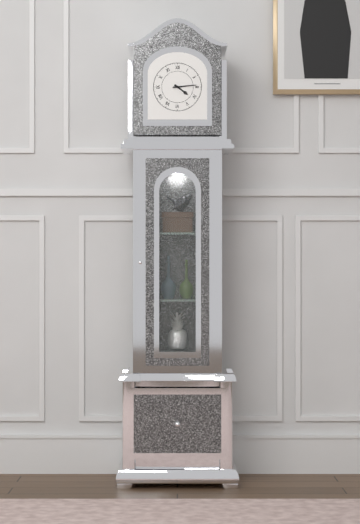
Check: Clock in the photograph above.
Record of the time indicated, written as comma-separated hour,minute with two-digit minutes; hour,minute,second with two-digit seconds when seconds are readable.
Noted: 4,14
